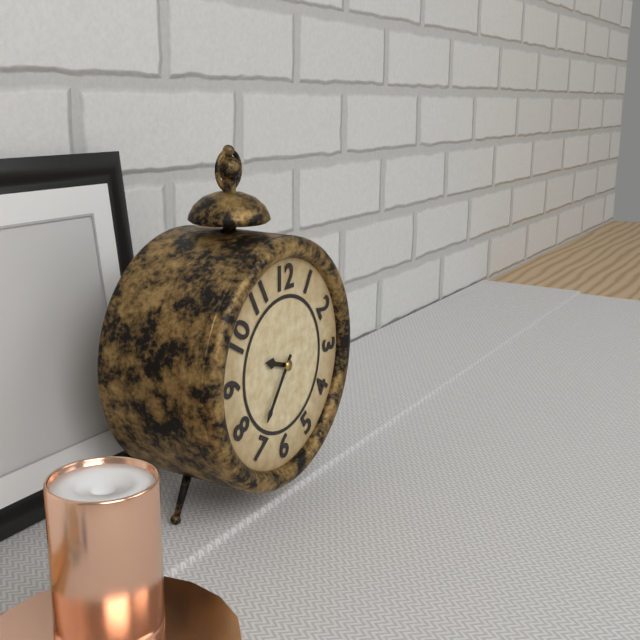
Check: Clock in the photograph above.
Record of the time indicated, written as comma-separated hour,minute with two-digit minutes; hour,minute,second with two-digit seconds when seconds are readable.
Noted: 9,36
